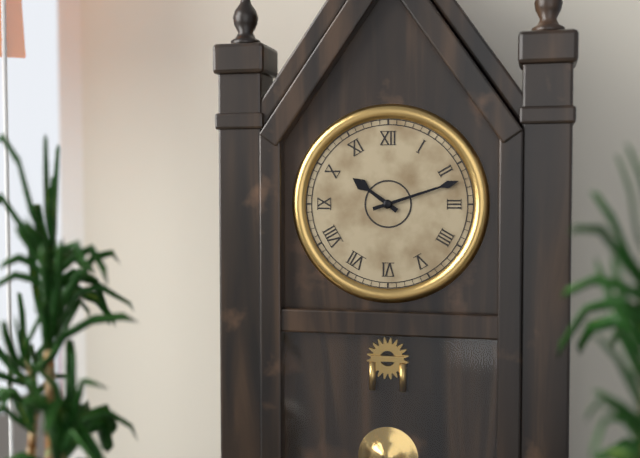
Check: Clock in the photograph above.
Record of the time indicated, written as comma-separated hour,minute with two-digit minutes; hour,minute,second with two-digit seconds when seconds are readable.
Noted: 10,12
